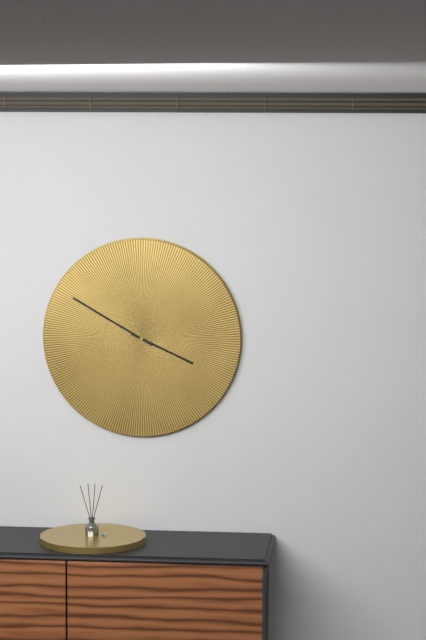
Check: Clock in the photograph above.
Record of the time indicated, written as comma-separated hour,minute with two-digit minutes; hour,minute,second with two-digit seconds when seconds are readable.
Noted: 3,50
